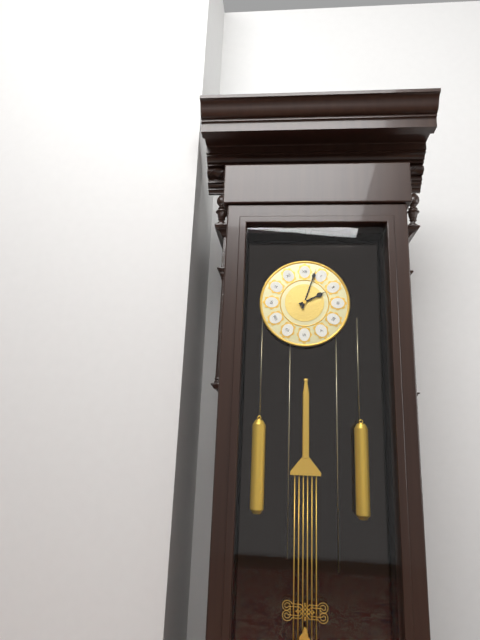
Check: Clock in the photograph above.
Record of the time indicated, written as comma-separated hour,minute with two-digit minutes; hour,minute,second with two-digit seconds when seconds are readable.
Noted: 2,03
